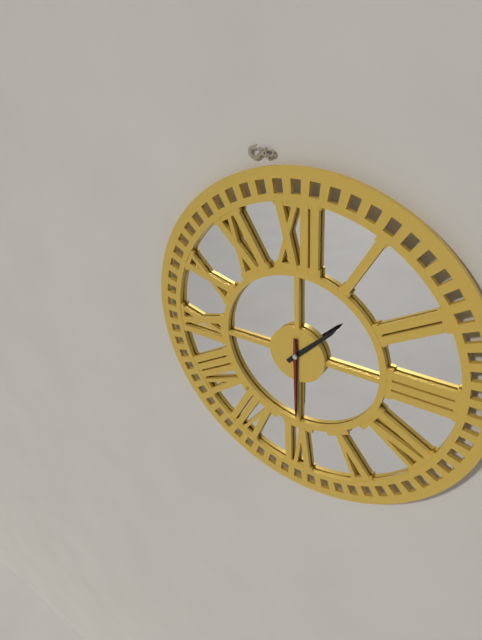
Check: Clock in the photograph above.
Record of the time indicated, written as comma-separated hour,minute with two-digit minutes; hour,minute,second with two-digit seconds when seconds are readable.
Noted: 1,30,30
